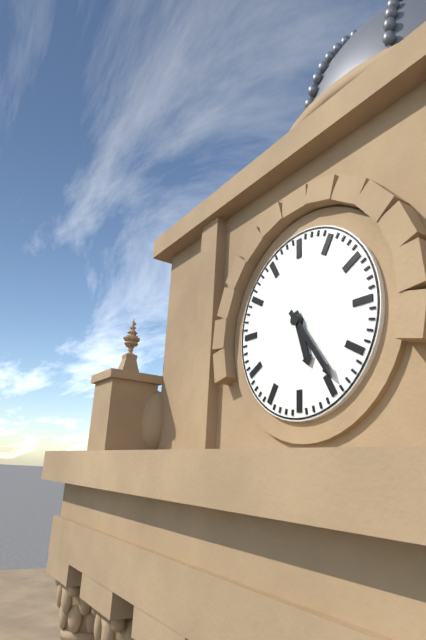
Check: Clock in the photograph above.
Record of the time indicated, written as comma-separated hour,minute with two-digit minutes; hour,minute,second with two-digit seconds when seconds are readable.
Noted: 5,24
